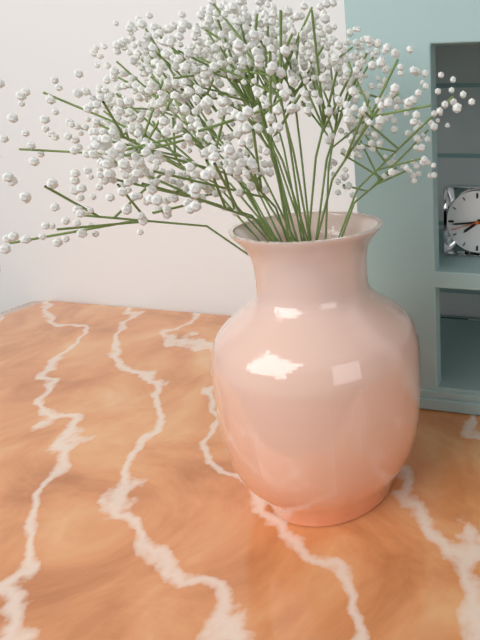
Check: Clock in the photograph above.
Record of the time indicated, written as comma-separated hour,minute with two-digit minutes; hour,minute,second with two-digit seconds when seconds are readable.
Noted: 7,44
